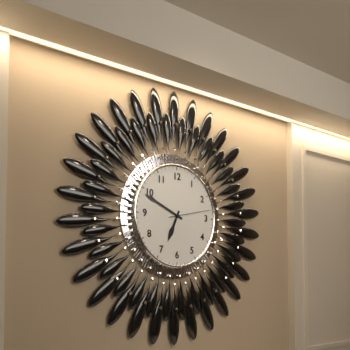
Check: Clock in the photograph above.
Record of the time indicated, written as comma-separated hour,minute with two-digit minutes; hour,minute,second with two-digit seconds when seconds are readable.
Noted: 6,49
